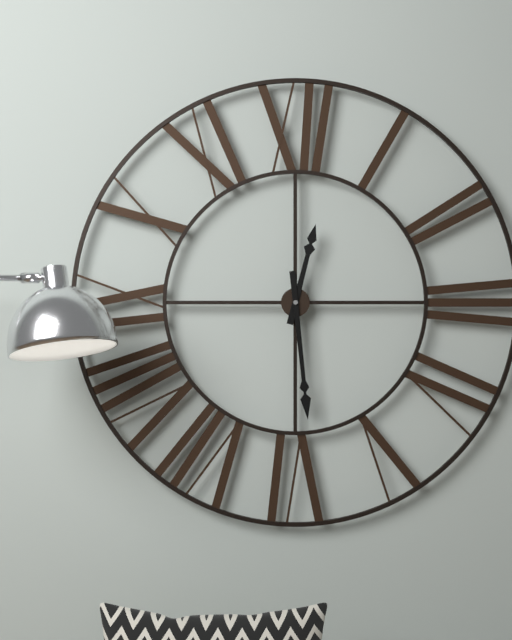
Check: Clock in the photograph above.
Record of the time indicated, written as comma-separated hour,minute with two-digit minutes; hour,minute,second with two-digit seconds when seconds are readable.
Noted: 12,29
